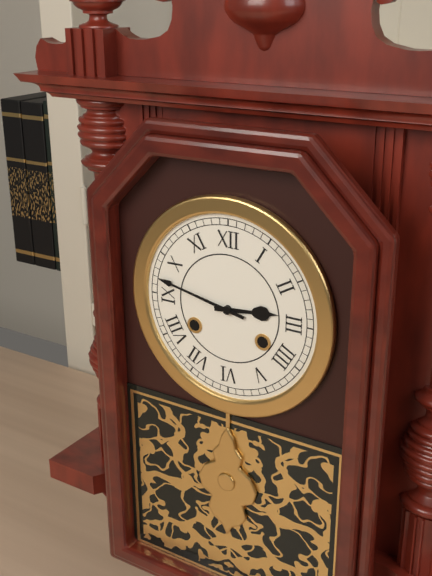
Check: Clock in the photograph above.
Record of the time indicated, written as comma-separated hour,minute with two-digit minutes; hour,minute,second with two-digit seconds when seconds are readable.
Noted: 2,47
